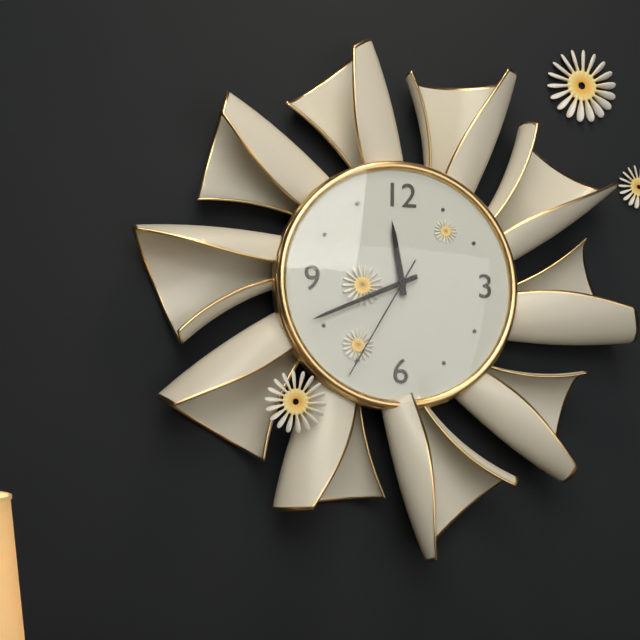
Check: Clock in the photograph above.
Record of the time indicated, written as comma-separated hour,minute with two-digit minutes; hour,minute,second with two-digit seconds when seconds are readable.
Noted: 11,41,35
